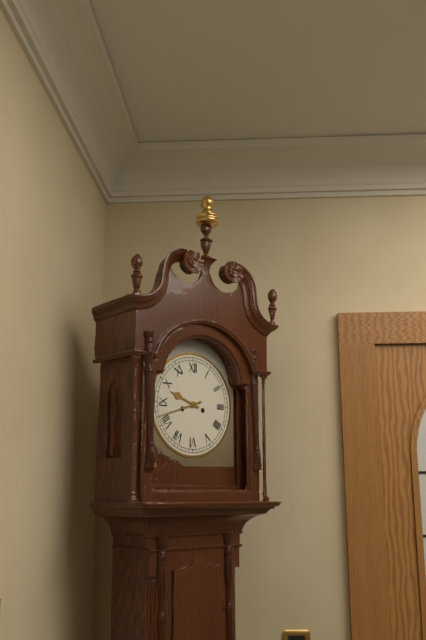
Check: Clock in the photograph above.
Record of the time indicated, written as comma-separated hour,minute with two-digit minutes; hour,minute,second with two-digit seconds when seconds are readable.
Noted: 9,42
